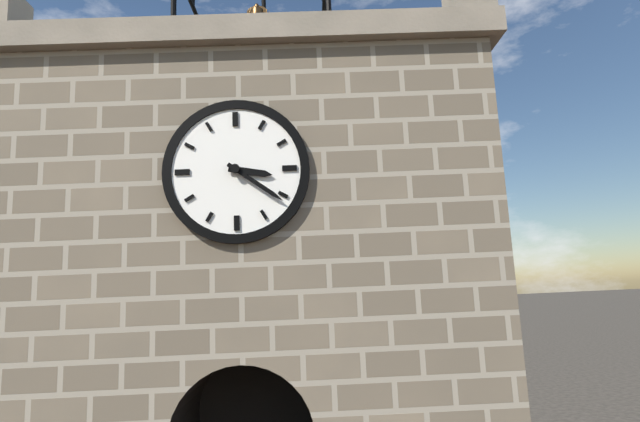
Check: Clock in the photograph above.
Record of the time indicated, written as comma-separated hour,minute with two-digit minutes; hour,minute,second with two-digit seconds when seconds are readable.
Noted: 3,21
